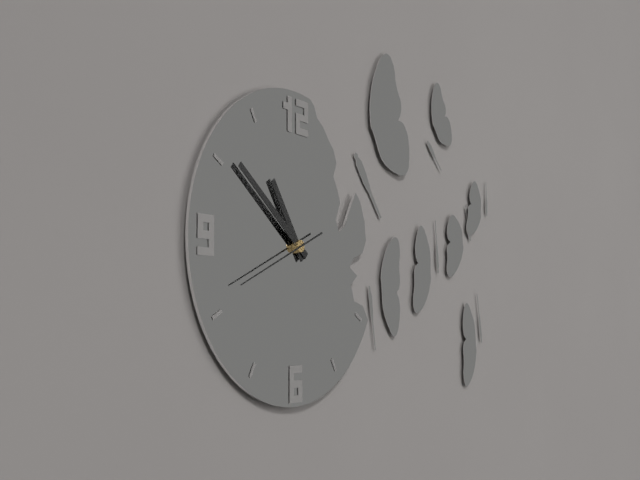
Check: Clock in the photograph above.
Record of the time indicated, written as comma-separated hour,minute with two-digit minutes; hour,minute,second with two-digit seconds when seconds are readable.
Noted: 10,51,41
